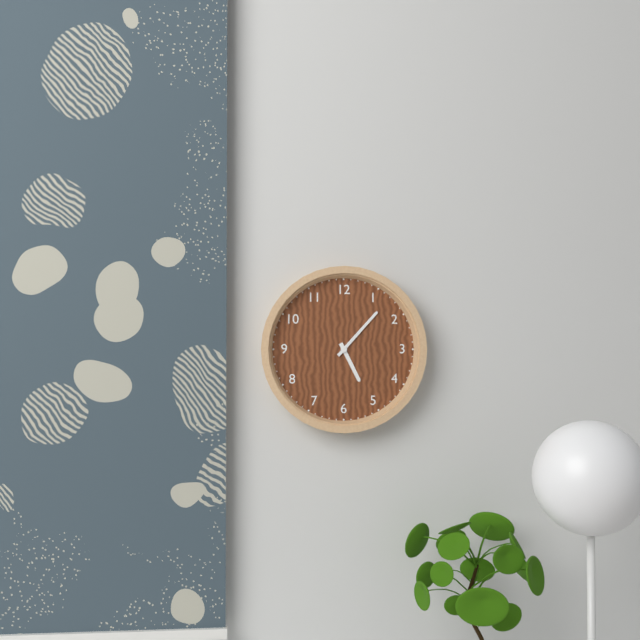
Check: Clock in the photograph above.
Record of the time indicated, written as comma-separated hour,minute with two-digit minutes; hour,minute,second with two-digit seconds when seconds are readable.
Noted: 5,07
